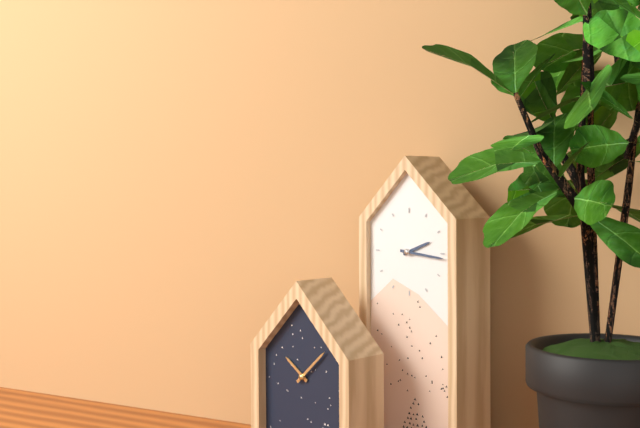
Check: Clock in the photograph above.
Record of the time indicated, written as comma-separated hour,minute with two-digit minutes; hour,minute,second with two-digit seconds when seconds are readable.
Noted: 2,16
